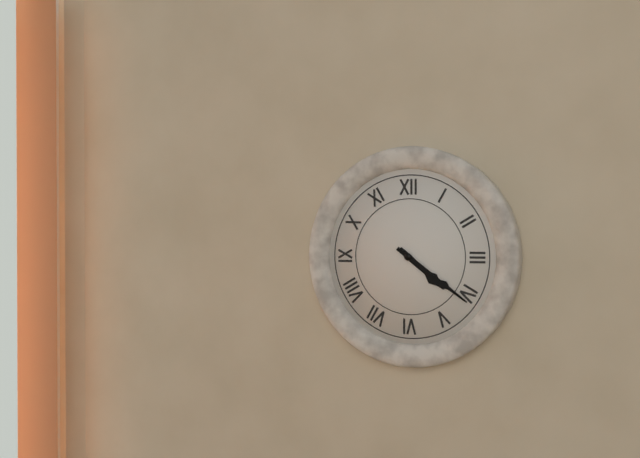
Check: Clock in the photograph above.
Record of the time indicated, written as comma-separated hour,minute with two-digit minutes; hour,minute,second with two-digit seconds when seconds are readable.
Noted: 4,21
